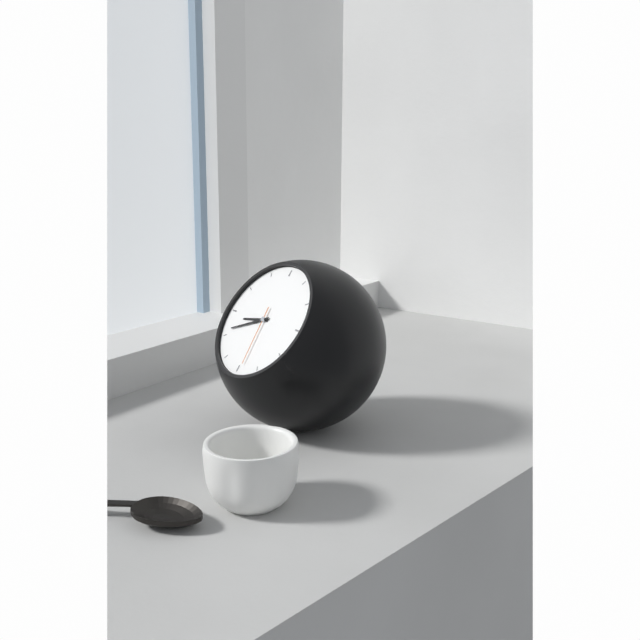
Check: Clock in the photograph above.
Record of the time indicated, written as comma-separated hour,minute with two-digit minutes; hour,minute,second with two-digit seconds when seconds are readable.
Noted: 8,41,29
